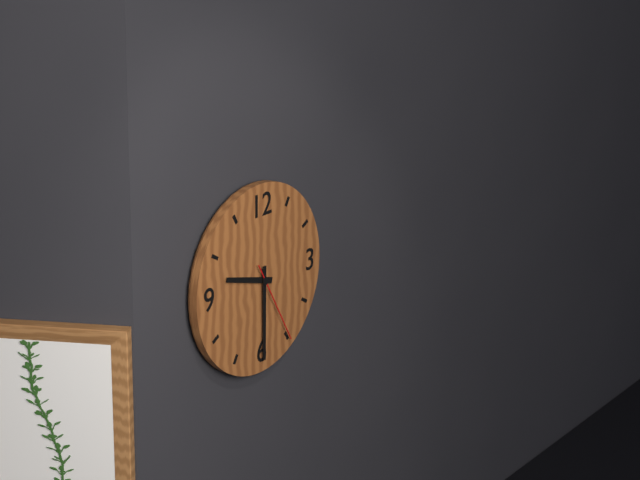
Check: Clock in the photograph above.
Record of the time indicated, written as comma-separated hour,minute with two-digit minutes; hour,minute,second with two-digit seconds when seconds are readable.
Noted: 9,30,25
